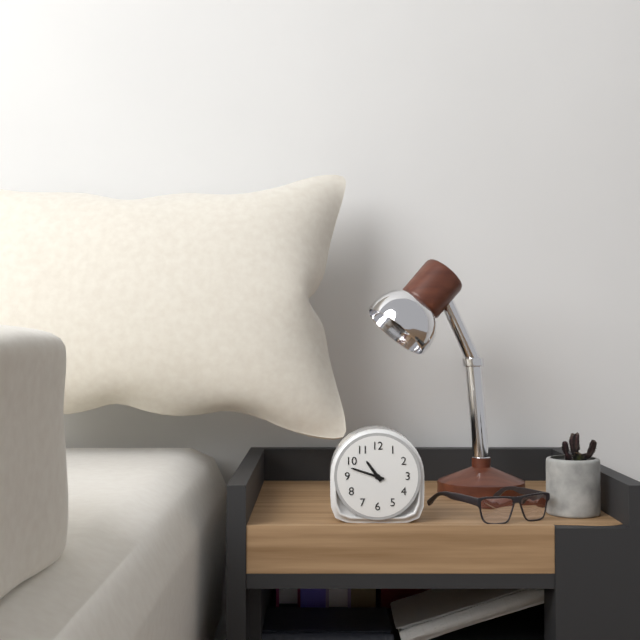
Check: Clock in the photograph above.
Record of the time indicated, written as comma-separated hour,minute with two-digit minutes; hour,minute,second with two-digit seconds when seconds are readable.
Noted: 10,48
